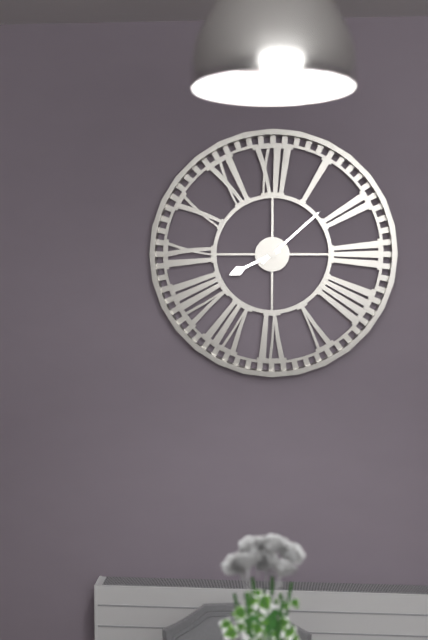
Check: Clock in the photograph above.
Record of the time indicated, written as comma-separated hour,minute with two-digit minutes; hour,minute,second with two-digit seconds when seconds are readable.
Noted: 8,08
